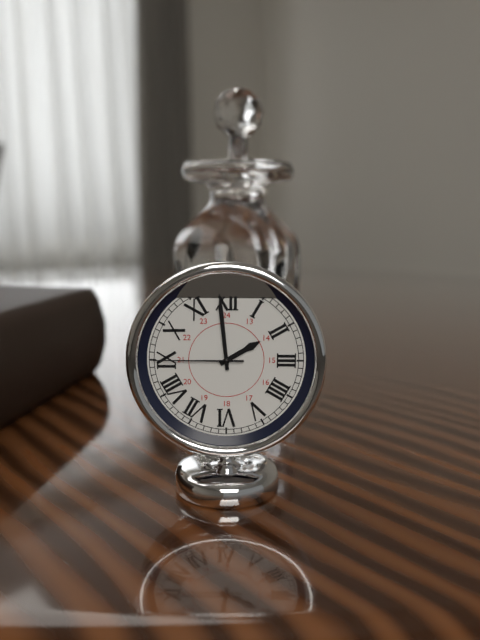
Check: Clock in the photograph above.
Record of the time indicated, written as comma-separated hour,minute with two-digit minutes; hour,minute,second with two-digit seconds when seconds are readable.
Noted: 1,59,45
